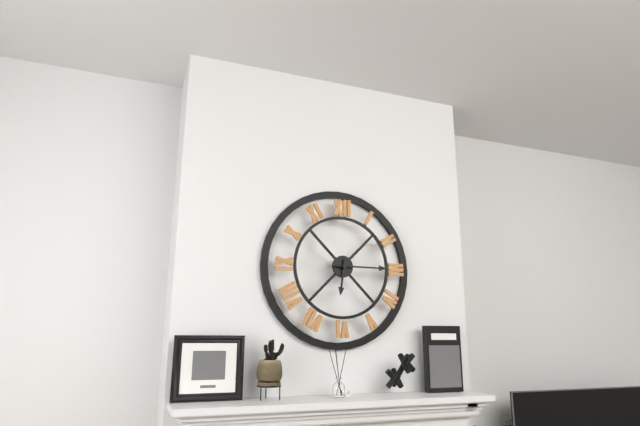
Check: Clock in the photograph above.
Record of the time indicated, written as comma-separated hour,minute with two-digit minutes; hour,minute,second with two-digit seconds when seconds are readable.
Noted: 6,15
